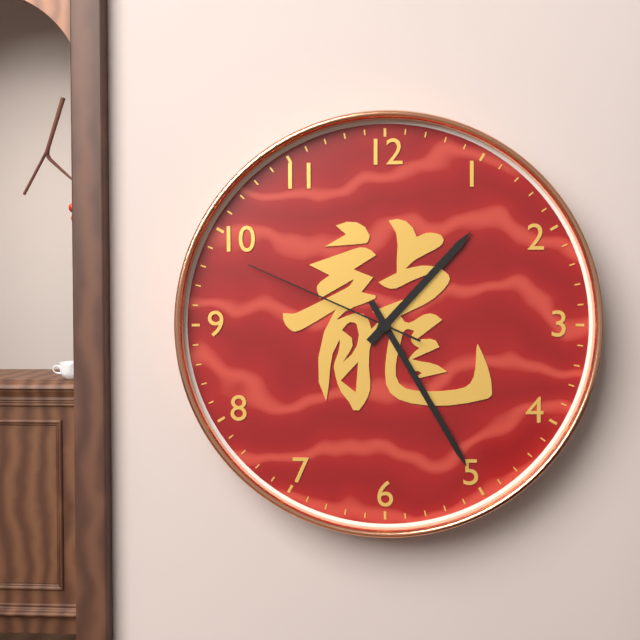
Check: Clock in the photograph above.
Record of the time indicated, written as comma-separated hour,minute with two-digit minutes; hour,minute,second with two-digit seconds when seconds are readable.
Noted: 1,25,49
